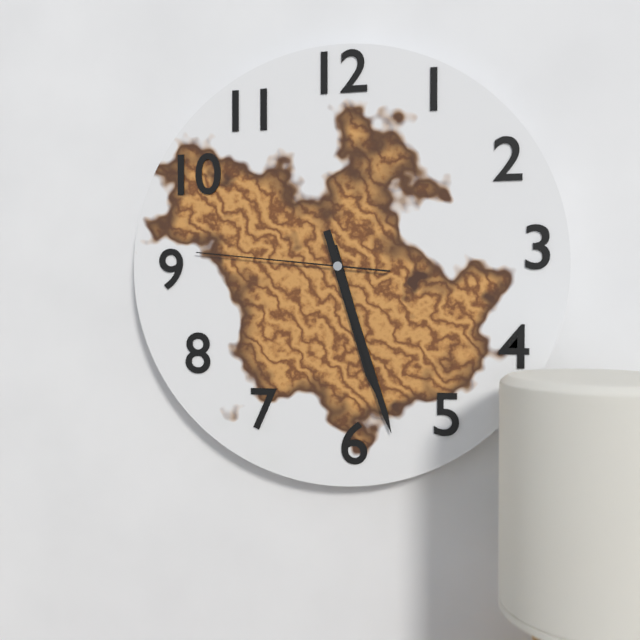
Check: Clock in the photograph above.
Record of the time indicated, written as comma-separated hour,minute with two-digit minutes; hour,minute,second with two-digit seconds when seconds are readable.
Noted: 5,27,46
